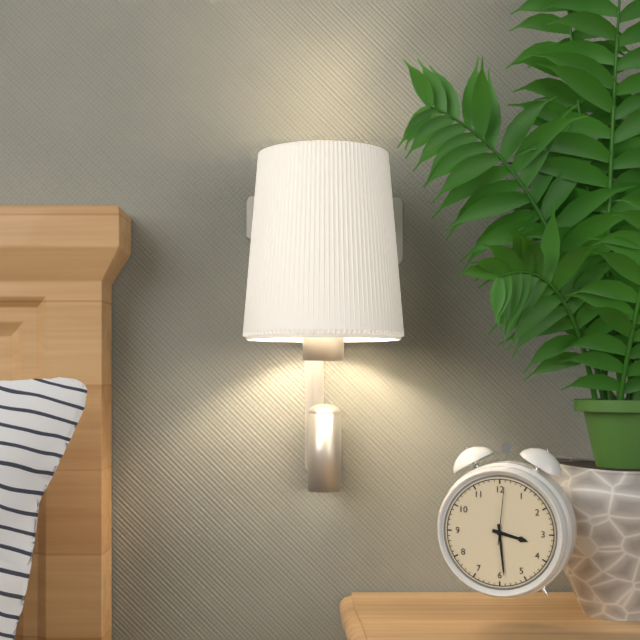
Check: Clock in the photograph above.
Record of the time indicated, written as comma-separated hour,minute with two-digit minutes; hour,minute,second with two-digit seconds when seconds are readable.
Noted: 3,29,01
